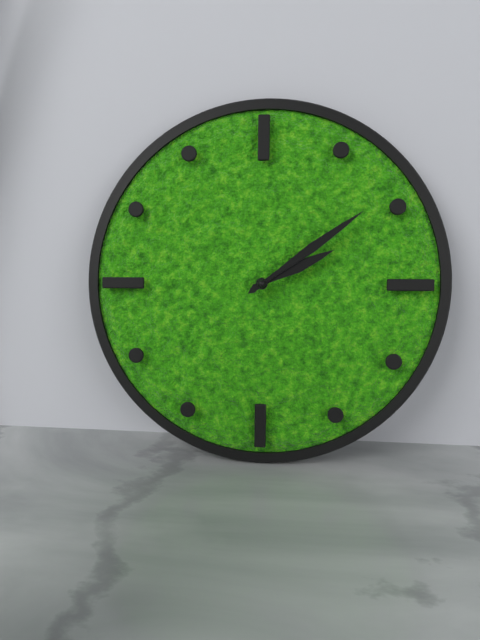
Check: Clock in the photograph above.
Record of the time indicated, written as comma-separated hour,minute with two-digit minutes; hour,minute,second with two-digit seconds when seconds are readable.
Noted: 2,09
